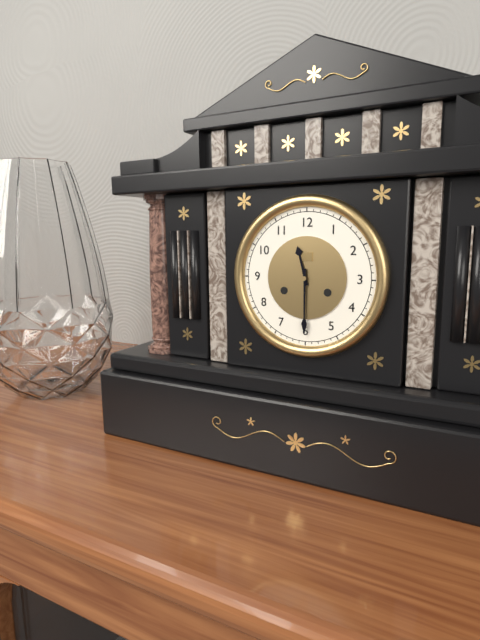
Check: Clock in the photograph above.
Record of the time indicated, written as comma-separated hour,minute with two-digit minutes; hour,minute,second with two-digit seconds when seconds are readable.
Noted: 11,30
